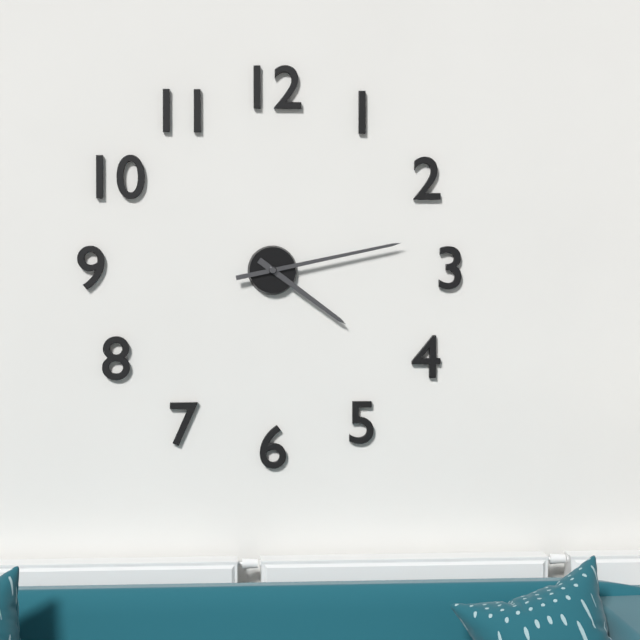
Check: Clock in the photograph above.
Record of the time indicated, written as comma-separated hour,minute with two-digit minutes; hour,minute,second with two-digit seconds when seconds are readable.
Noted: 4,13
